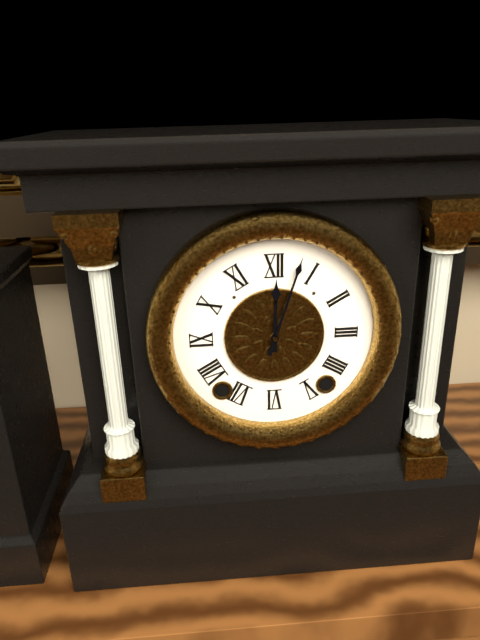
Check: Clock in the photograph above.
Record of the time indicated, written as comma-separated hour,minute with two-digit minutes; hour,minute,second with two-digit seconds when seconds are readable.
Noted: 12,03
